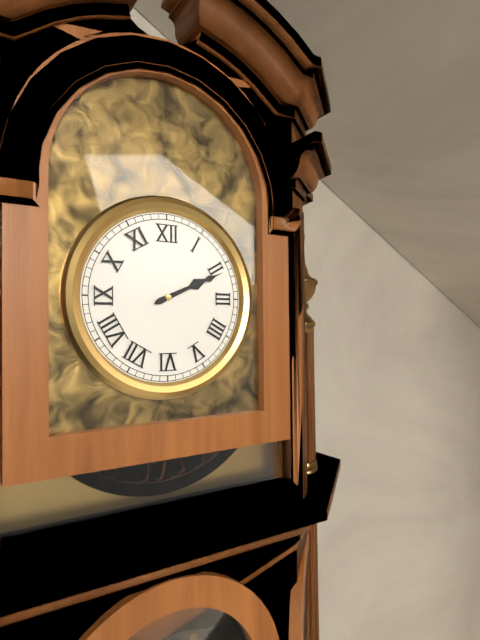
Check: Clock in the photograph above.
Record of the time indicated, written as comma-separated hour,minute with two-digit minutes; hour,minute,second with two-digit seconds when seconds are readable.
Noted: 2,11
